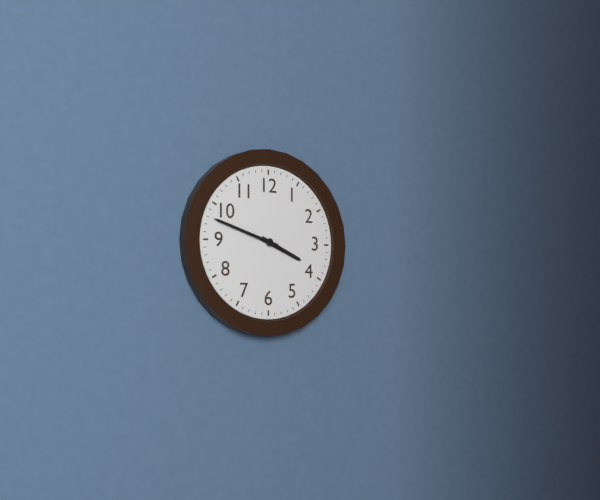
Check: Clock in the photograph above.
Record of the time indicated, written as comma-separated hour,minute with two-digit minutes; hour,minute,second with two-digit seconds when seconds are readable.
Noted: 3,48
